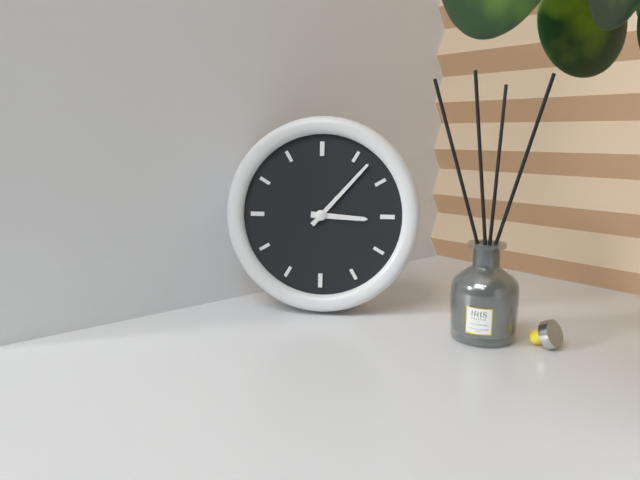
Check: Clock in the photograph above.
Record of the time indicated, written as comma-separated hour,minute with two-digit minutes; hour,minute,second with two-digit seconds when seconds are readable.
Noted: 3,07
